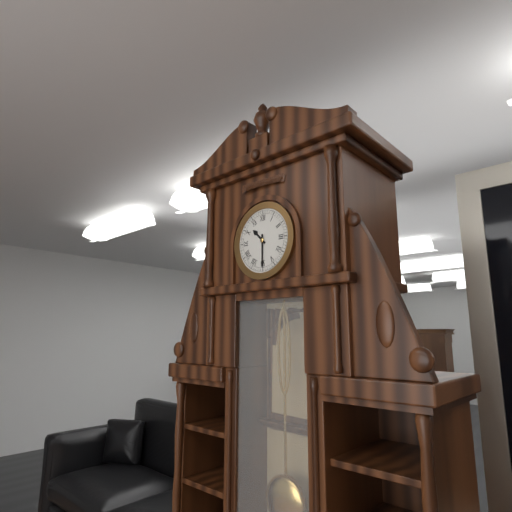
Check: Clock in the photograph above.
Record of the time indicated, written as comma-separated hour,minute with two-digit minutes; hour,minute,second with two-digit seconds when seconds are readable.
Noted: 10,30
